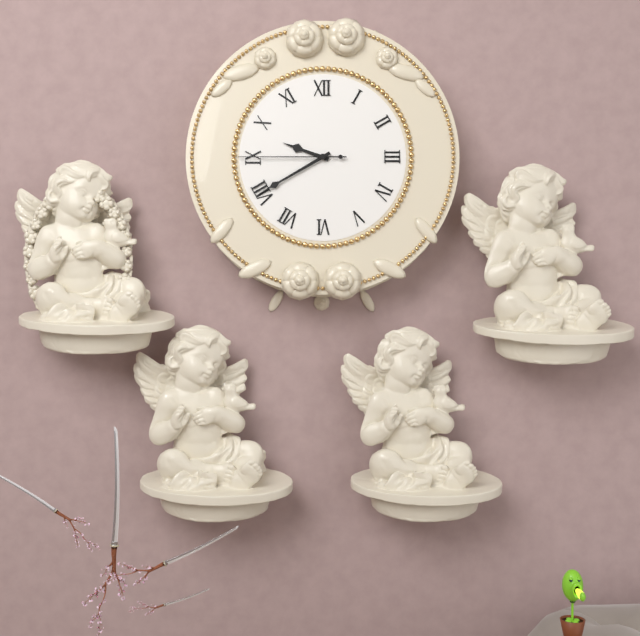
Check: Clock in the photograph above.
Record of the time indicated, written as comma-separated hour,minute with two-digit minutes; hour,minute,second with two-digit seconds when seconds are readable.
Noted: 9,40,45
